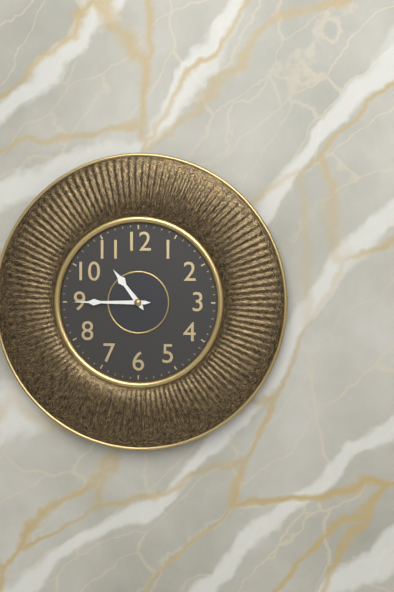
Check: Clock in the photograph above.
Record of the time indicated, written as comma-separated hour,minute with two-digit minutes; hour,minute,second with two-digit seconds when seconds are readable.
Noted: 10,45
